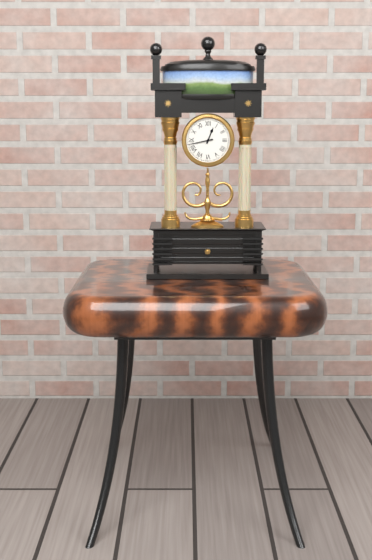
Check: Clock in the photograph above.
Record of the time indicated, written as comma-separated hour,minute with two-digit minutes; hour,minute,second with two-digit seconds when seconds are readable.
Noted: 12,43
